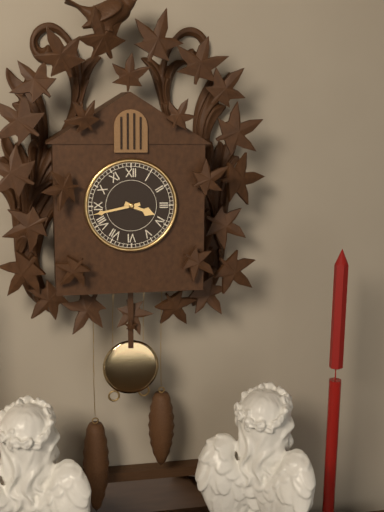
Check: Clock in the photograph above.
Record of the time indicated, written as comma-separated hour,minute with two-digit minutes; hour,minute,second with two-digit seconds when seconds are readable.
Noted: 3,43
